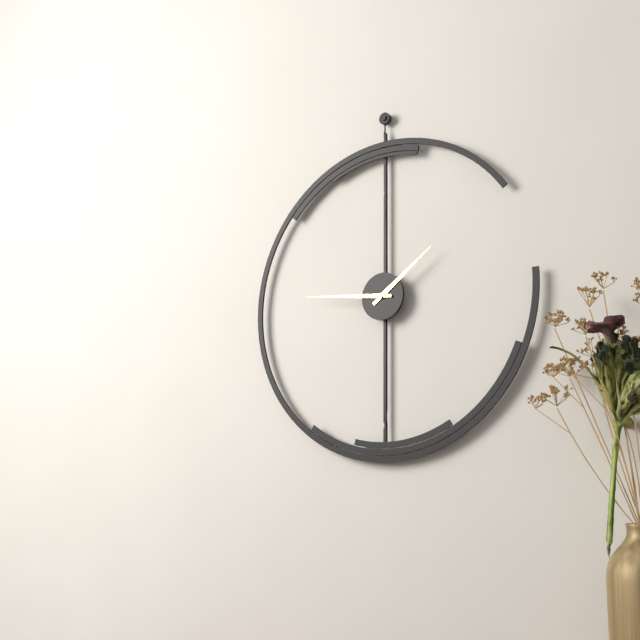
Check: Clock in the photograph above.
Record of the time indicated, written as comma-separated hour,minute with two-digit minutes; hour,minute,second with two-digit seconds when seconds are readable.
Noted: 1,46
